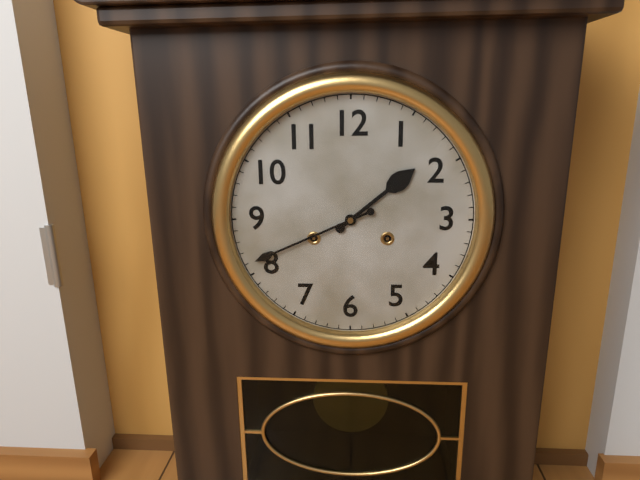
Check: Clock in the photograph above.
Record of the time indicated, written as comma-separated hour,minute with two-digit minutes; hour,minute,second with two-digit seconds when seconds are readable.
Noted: 1,41
